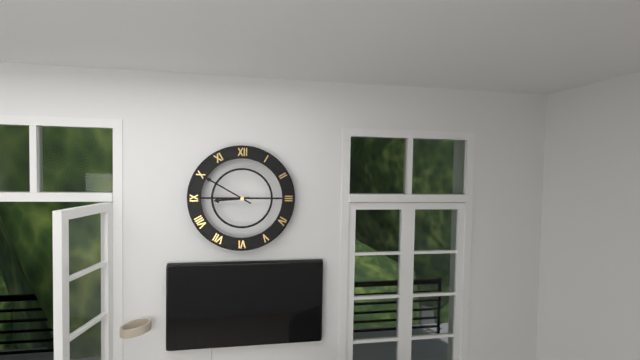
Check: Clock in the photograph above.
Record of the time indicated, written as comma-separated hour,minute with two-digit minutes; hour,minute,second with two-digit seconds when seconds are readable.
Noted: 8,50
